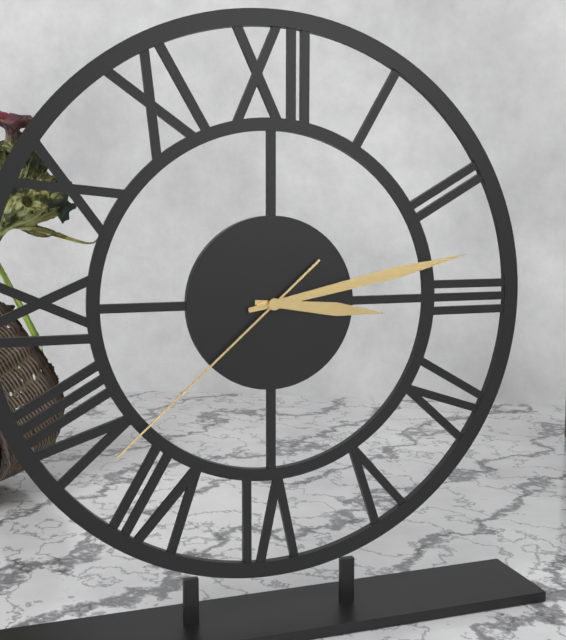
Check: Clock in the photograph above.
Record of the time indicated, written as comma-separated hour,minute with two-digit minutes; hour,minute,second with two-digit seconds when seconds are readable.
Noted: 3,13,38
